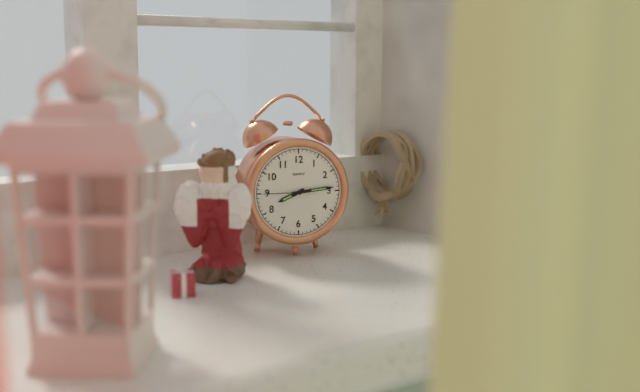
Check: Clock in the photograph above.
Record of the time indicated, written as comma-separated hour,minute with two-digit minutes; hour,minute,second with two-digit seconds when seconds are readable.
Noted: 8,14
